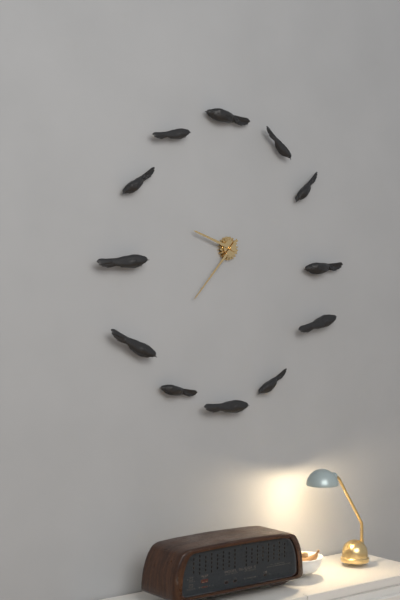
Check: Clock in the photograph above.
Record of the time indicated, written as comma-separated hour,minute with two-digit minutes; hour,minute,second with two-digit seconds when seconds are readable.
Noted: 9,37
